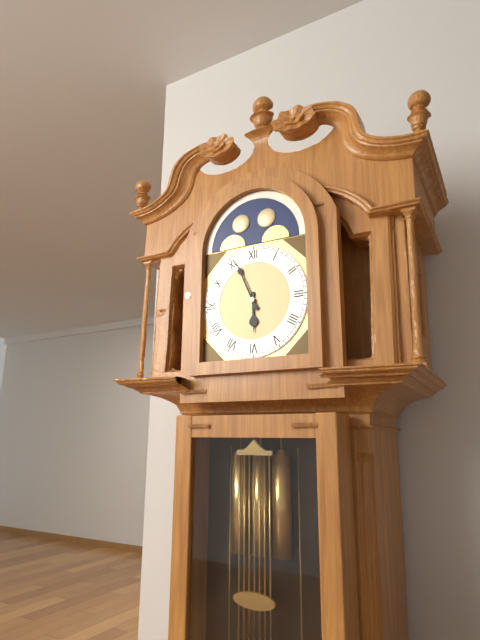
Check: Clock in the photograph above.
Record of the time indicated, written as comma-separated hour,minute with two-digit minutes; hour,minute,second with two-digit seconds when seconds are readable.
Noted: 5,56
